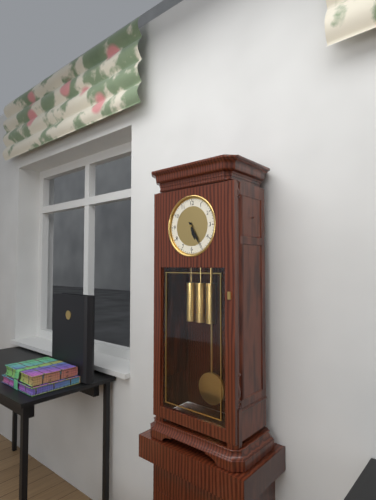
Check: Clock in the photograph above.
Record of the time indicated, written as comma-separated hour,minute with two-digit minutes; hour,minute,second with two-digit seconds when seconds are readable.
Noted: 5,25
